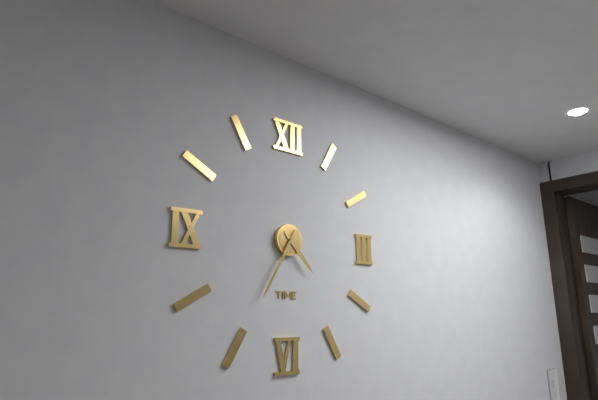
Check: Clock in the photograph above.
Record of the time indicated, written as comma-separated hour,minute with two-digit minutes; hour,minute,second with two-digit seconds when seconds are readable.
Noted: 4,35
